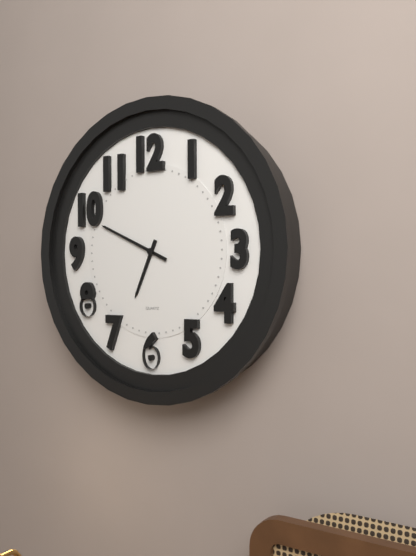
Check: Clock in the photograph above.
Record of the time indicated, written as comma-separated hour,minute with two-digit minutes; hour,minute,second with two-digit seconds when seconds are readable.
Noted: 6,49
